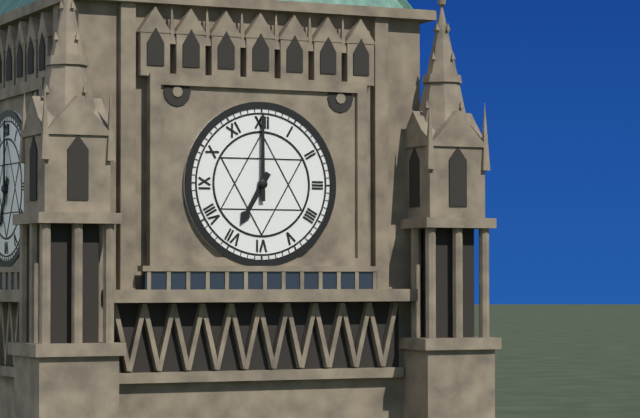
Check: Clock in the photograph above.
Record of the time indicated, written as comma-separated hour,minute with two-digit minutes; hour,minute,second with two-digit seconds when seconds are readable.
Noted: 7,00
